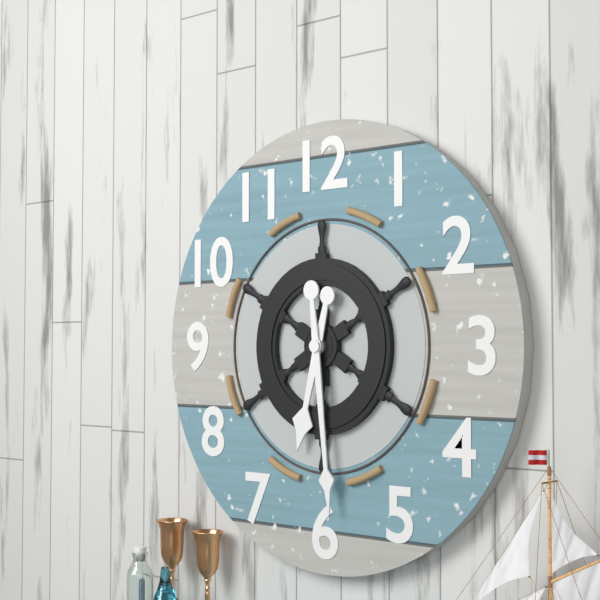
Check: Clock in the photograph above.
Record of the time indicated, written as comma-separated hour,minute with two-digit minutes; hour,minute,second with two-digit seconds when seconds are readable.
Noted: 6,29
